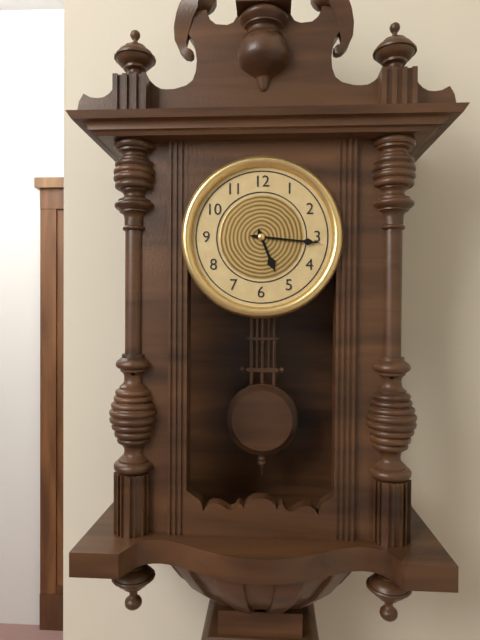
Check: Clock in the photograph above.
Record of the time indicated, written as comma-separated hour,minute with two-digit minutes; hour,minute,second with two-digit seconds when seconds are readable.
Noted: 5,16
